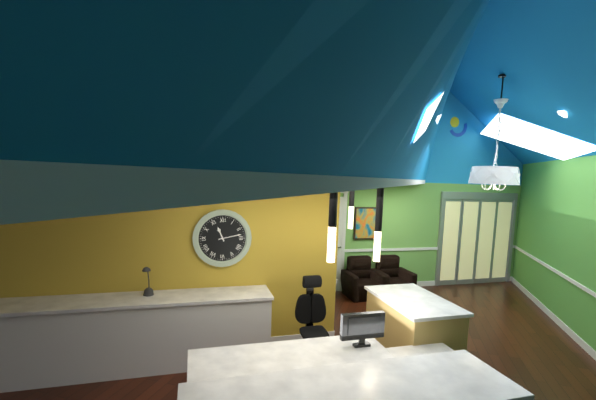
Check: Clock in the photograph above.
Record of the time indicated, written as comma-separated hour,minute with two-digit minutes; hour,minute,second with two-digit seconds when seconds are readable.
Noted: 11,13
